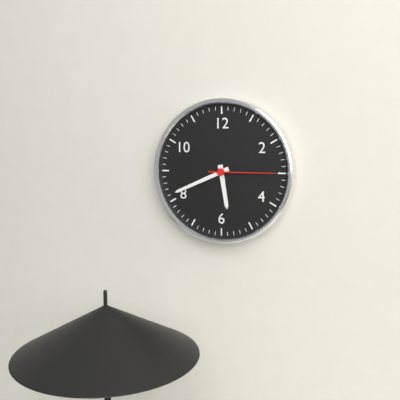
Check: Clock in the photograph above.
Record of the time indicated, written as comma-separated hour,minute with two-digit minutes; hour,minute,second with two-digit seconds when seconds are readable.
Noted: 5,41,15
